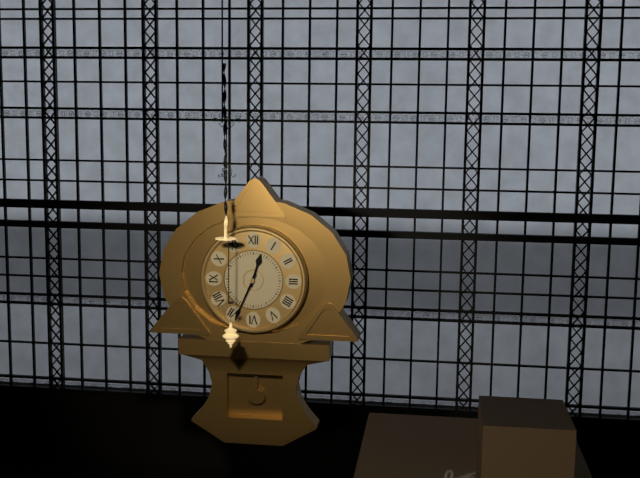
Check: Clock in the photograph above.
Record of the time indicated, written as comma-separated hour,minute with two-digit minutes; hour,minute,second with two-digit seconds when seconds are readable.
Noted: 12,34
